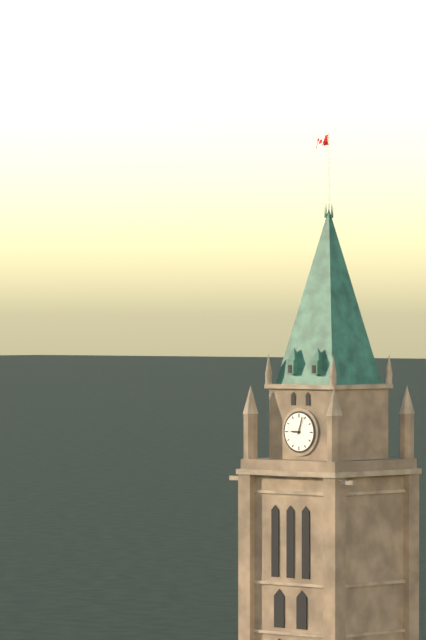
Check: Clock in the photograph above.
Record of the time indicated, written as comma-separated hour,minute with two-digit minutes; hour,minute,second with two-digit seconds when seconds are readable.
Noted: 9,03
